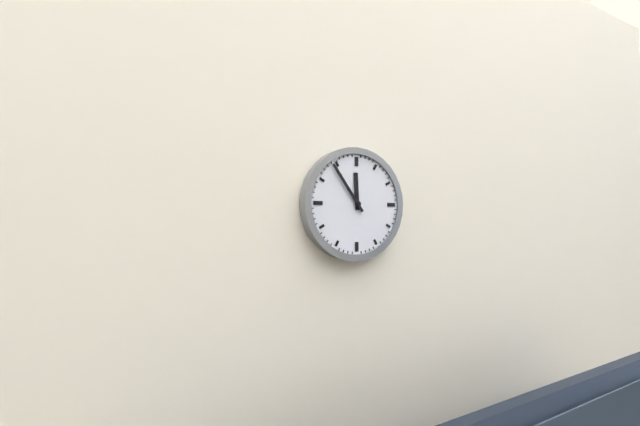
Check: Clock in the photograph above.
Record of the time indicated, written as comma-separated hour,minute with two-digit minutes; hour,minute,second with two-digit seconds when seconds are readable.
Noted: 11,54
